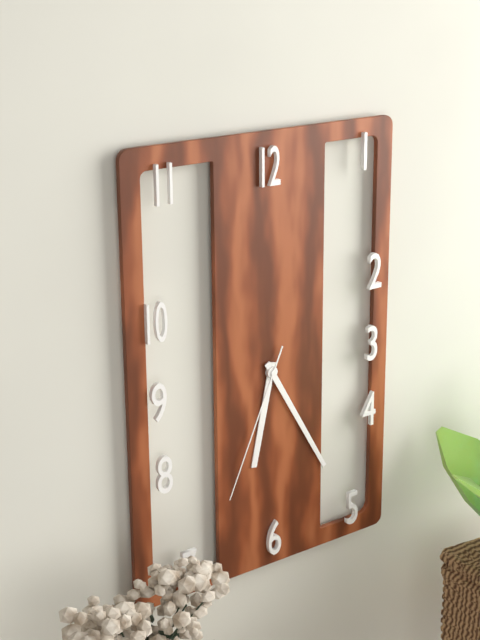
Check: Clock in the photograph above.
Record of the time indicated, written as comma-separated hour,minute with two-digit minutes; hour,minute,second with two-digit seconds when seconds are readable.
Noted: 6,25,34
